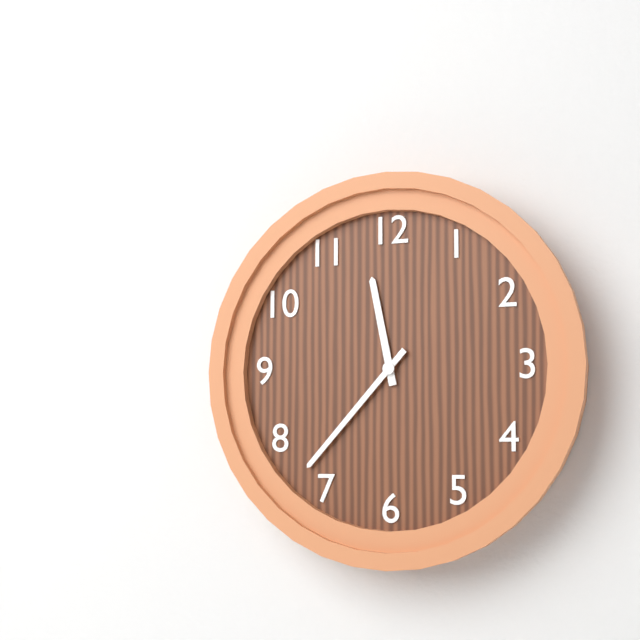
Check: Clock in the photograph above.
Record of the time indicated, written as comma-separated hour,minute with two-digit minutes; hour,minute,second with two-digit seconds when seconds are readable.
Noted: 11,37
